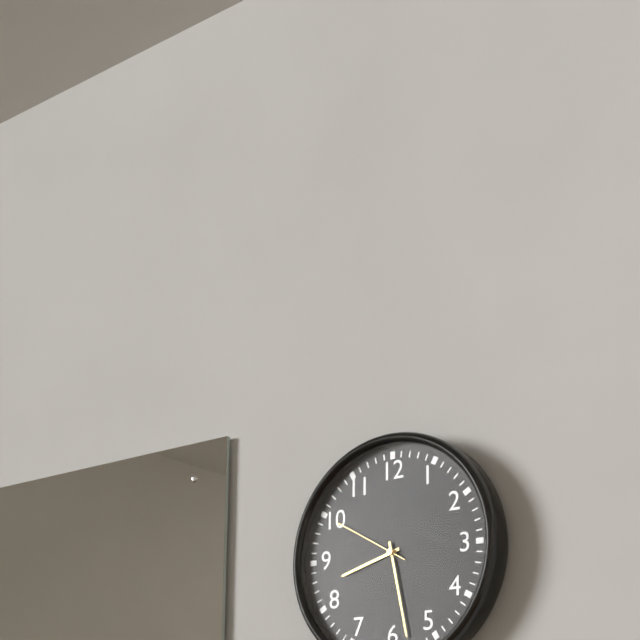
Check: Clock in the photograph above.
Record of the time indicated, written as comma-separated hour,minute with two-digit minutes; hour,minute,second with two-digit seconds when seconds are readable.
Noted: 8,28,50
